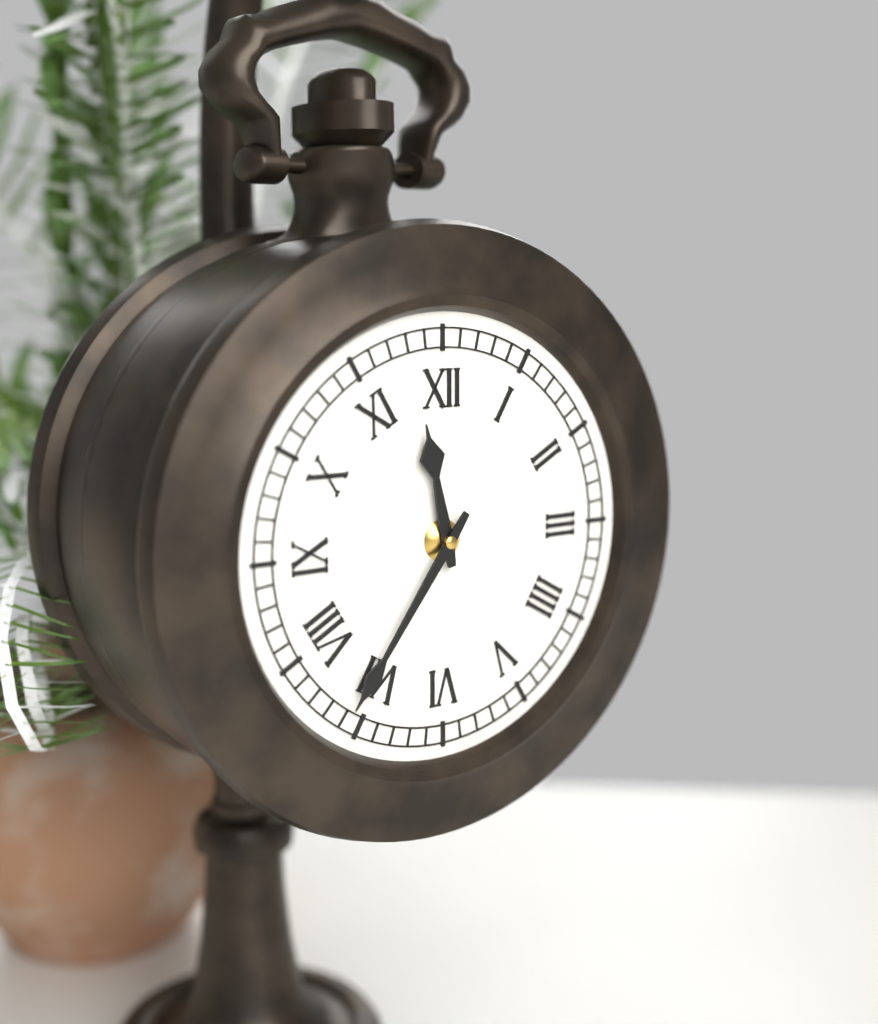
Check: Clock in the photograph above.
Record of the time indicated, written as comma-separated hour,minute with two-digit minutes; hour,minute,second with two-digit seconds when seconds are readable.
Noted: 11,36
